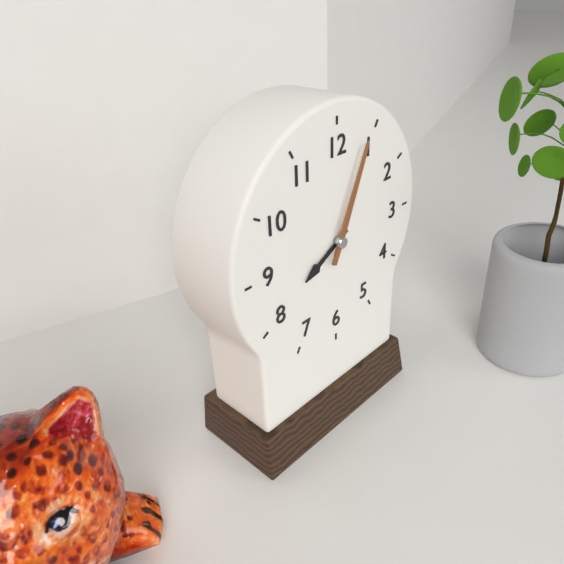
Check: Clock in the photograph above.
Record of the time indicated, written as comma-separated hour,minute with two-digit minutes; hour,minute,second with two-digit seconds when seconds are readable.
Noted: 8,04
